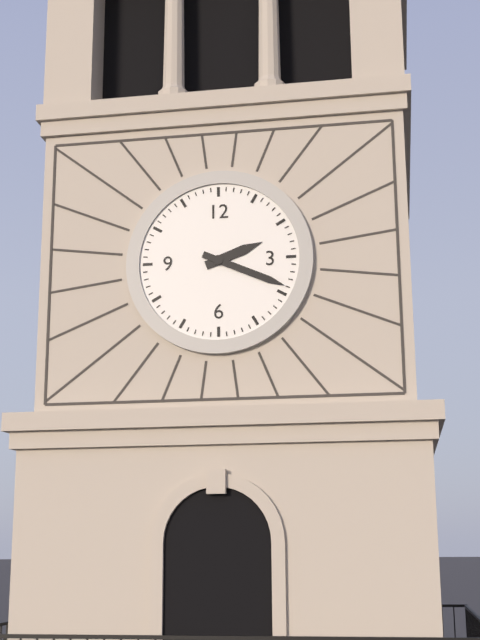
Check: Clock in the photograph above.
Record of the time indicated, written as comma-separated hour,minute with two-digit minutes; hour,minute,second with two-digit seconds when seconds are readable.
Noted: 2,19
